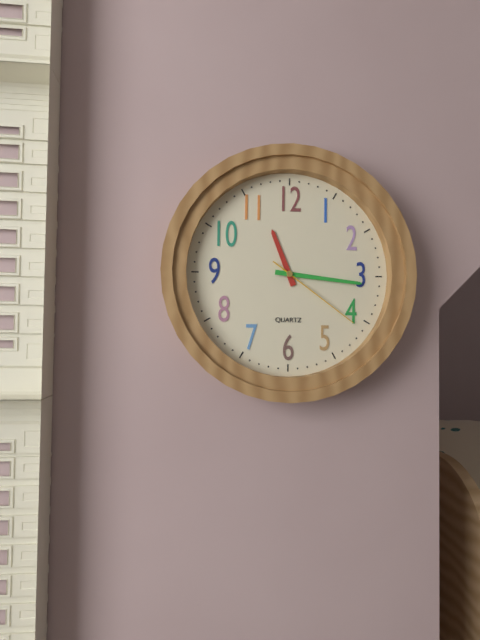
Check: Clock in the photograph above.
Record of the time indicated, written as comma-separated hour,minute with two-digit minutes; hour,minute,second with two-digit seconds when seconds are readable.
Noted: 11,16,21
